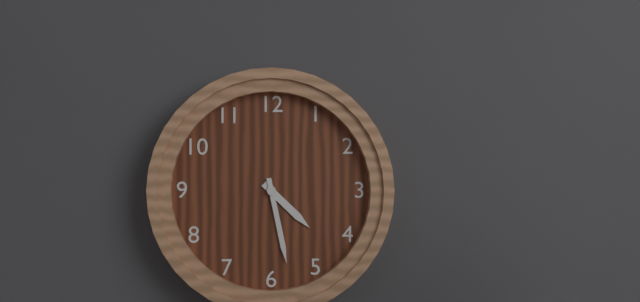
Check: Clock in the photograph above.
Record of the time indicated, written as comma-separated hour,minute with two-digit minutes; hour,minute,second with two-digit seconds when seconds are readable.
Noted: 4,28
